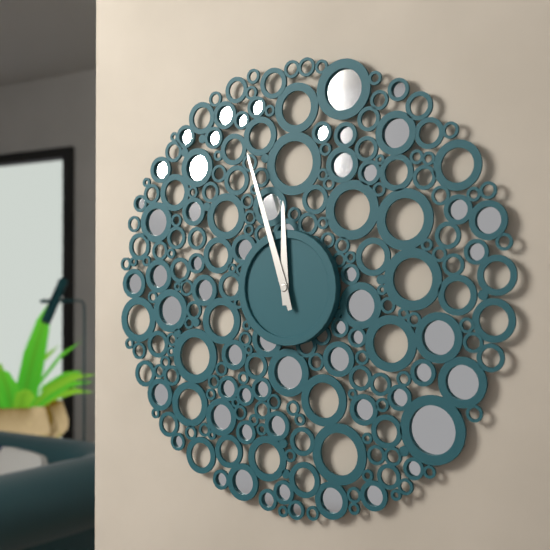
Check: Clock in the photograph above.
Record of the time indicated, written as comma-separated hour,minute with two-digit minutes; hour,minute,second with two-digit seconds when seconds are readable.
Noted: 11,57
